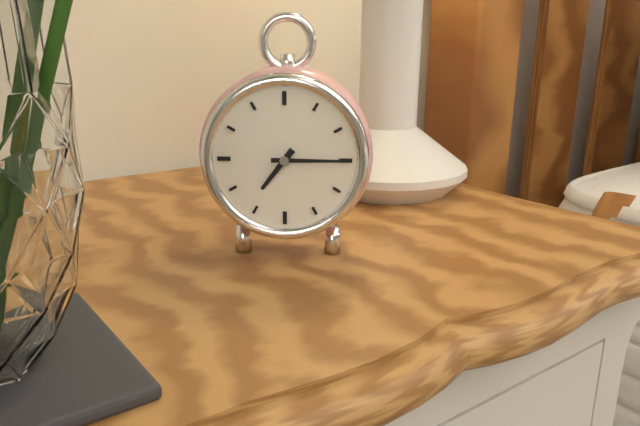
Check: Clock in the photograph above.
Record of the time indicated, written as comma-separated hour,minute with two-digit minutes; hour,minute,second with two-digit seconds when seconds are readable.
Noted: 7,15
